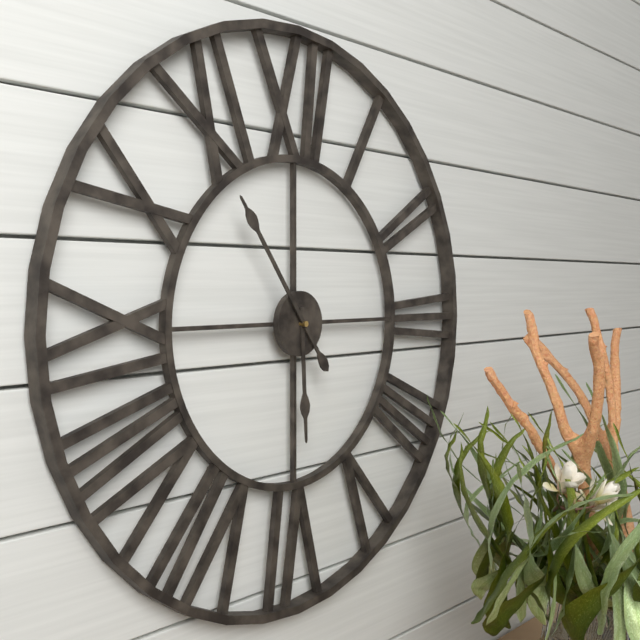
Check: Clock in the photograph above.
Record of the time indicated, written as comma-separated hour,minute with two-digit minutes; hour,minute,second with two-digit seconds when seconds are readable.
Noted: 5,54
